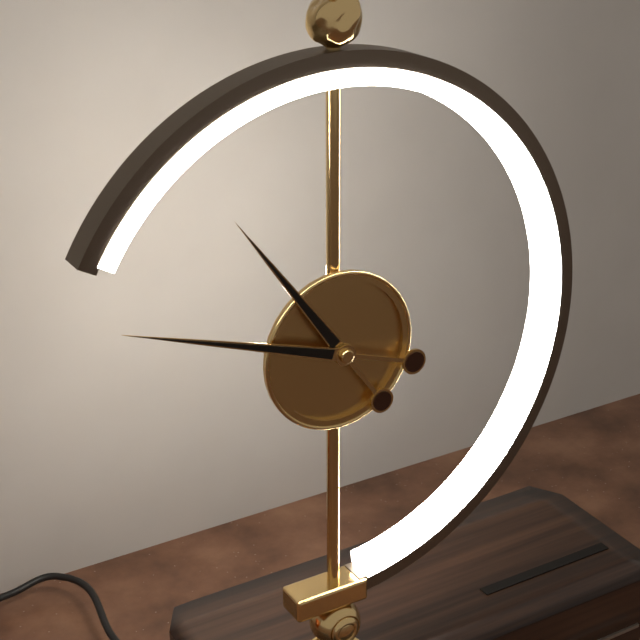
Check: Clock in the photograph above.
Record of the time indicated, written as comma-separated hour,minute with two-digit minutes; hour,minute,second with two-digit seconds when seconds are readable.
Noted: 10,48
